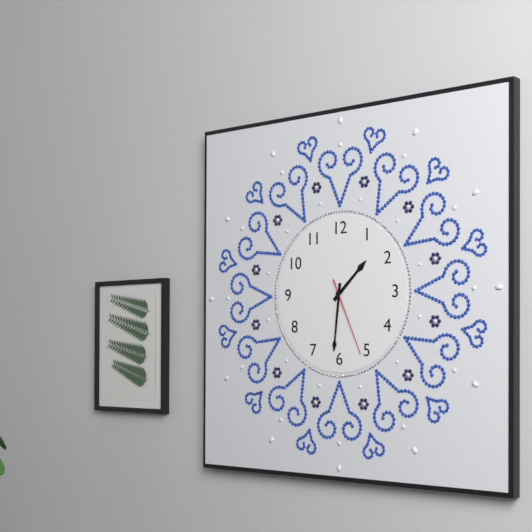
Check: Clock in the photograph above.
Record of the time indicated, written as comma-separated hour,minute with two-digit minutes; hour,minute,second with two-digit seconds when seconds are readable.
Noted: 1,31,26
